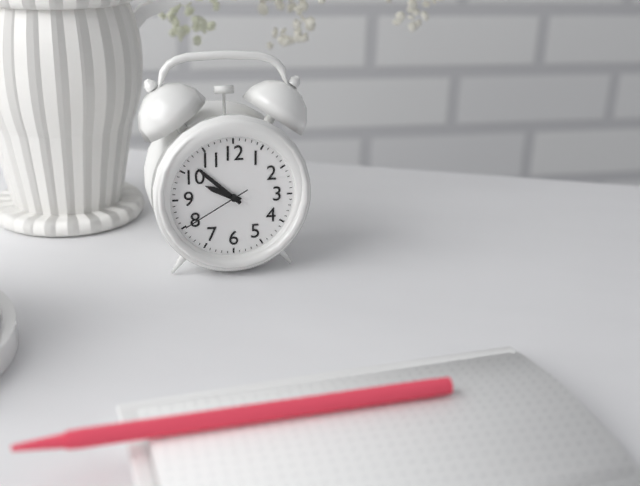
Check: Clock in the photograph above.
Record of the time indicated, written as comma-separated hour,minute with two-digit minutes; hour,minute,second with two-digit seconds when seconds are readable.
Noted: 9,52,40
